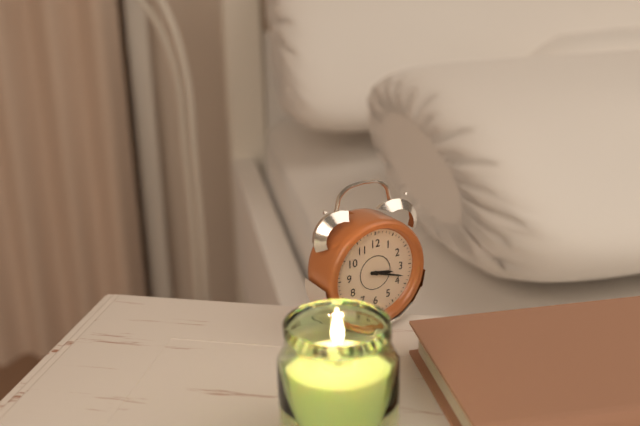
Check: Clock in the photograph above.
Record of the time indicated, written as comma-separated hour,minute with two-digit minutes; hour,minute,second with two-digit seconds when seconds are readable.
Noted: 3,18
